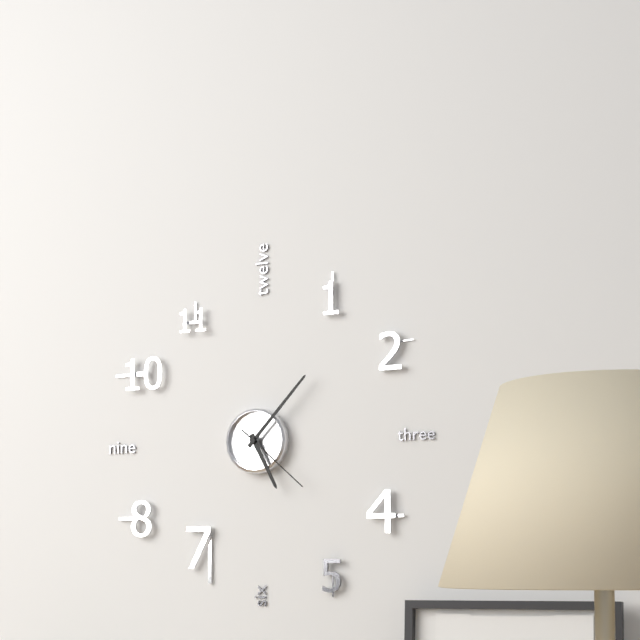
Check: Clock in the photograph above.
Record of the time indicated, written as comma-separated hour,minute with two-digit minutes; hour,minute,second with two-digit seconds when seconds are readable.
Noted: 5,07,22
